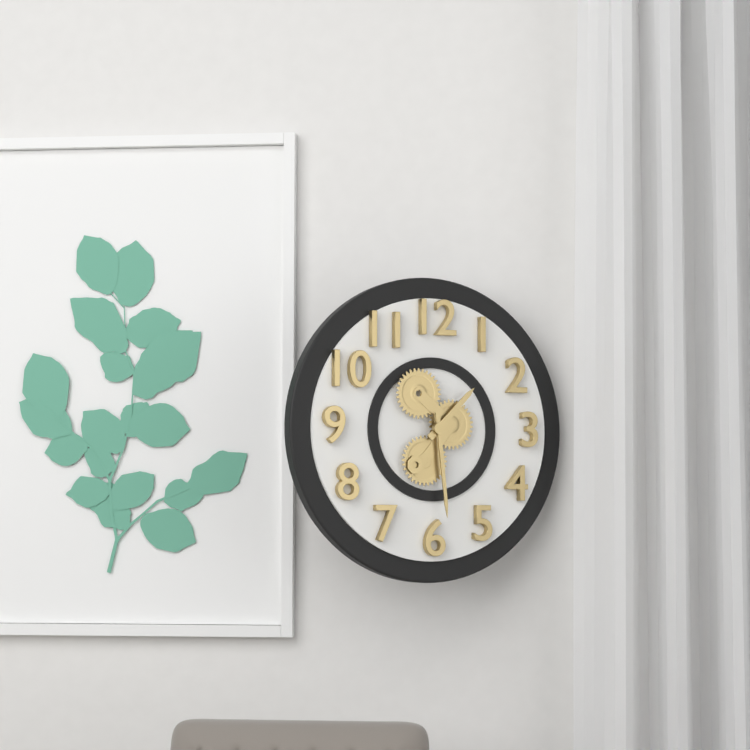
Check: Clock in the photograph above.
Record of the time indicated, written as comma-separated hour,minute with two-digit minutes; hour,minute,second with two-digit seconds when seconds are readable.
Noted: 1,29
